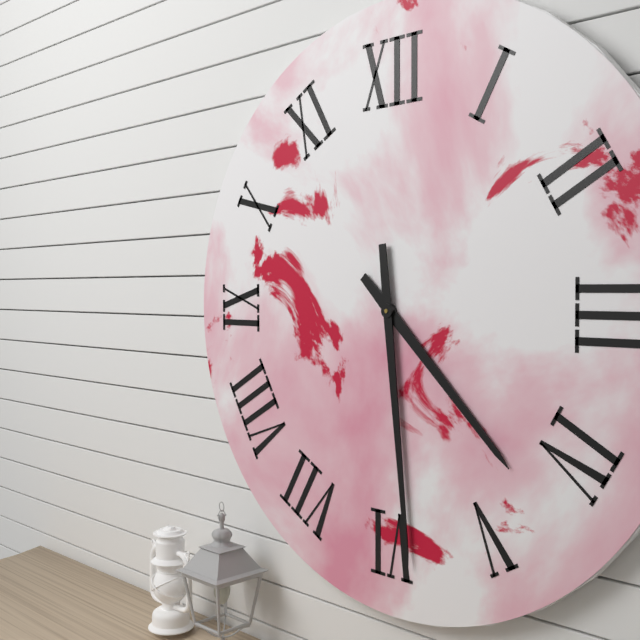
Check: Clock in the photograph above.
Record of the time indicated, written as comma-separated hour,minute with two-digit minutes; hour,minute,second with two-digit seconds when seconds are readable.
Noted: 4,29
